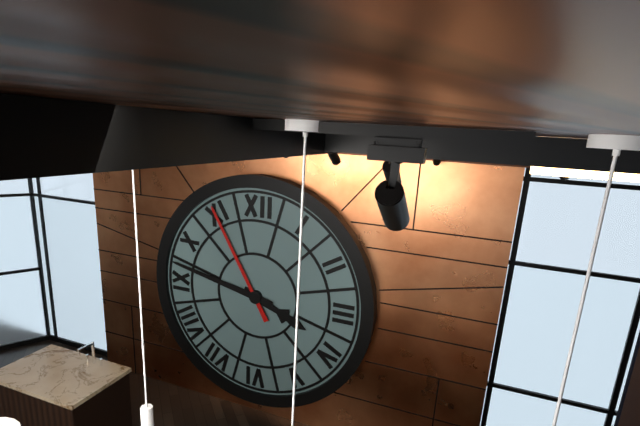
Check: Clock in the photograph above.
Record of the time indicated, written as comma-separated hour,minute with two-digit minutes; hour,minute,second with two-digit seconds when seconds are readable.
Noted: 3,47,55
